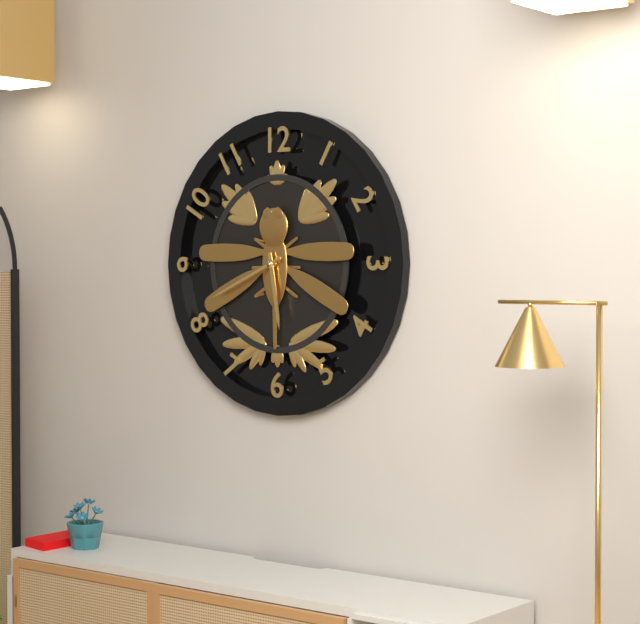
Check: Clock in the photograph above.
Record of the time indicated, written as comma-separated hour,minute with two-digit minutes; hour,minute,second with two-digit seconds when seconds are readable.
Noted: 5,41
